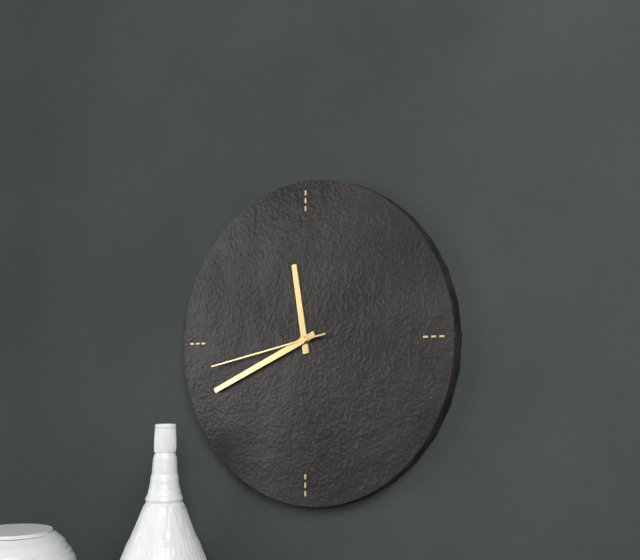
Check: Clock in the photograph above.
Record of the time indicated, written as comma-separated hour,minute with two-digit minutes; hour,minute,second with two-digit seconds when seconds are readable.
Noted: 11,41,43
